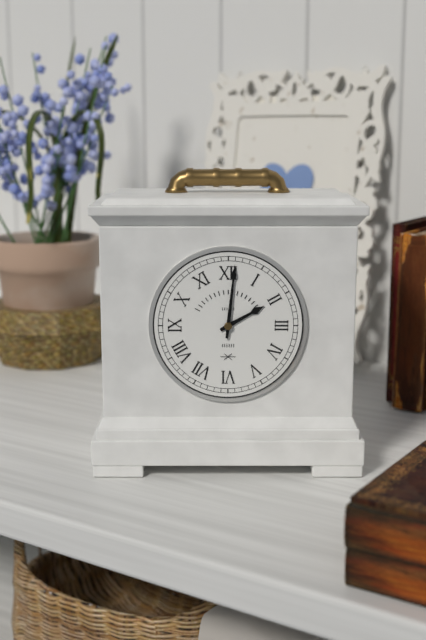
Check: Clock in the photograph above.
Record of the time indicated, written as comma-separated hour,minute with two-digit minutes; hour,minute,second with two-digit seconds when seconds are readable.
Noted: 2,01
